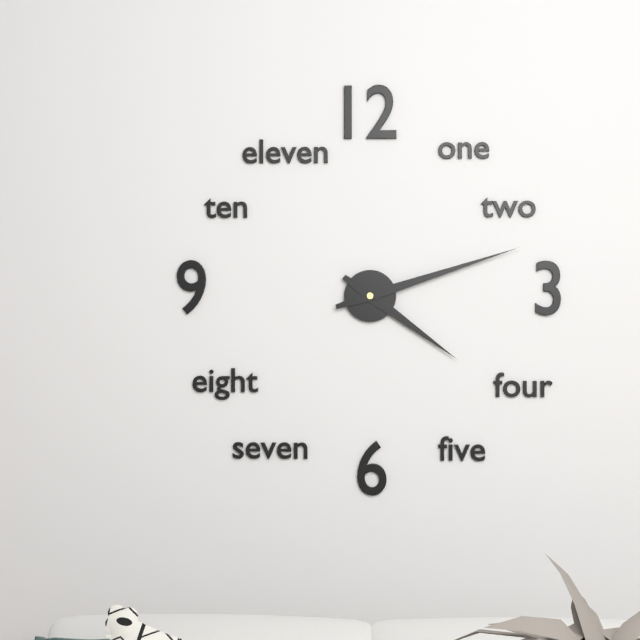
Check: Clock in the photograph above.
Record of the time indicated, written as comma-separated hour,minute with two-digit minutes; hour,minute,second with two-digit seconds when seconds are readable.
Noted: 4,12
